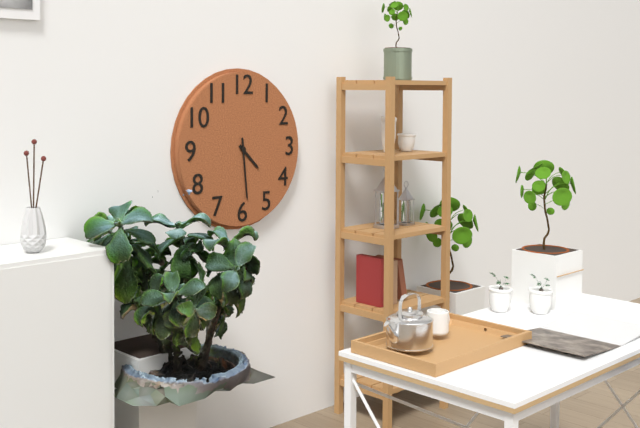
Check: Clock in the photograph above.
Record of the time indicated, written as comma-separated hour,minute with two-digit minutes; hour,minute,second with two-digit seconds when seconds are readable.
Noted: 4,29
